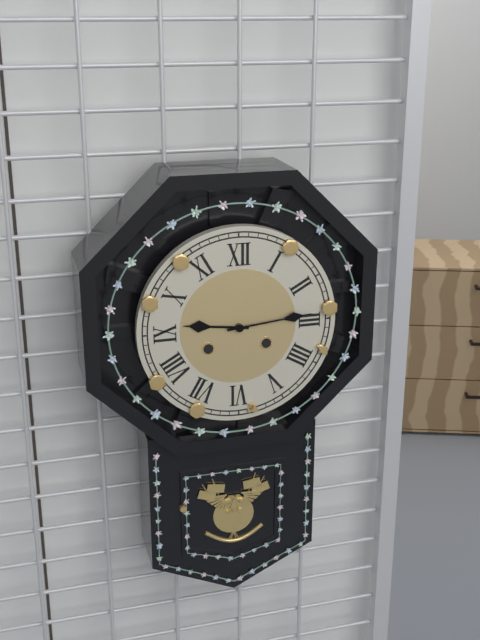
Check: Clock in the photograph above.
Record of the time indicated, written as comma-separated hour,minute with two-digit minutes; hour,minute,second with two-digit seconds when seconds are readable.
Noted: 9,14
